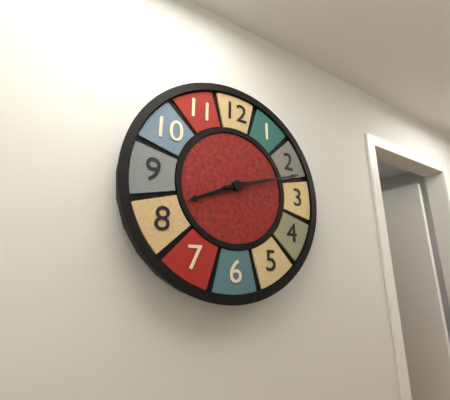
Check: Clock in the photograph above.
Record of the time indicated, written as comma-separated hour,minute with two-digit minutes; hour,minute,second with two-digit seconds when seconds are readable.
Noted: 8,12
